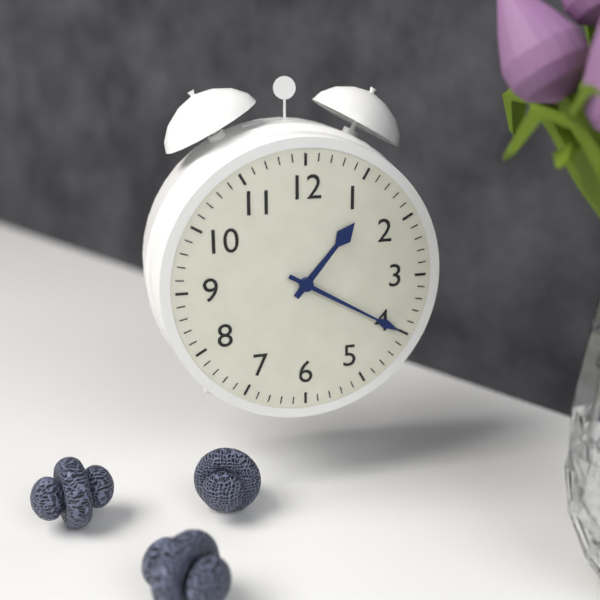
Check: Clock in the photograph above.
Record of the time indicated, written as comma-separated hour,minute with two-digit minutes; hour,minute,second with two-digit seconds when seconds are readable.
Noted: 1,20
